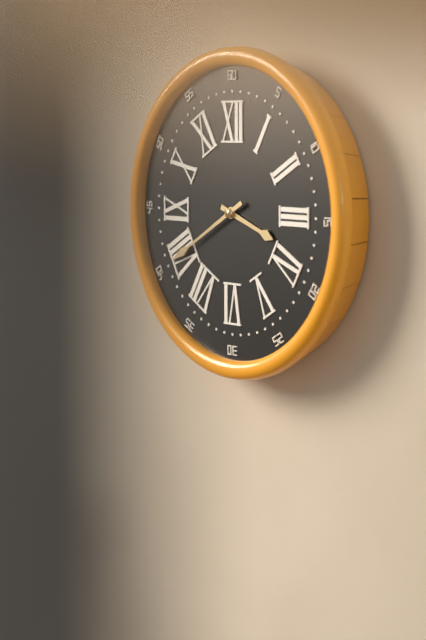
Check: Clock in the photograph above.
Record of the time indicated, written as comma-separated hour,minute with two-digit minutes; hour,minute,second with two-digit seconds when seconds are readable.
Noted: 3,40
